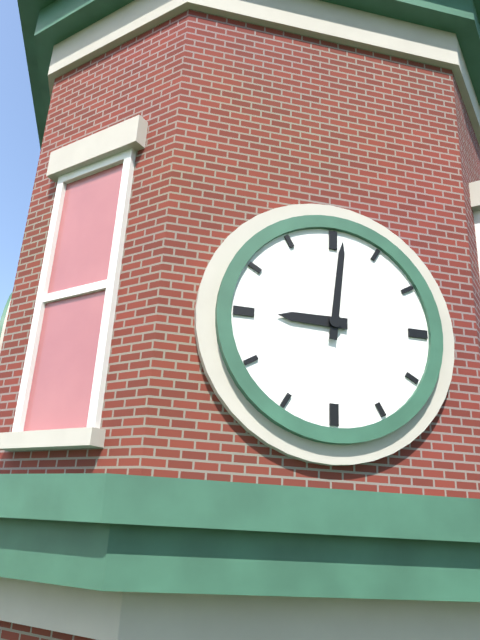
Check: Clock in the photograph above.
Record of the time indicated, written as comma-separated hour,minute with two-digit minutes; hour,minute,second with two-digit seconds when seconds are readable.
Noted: 9,01
